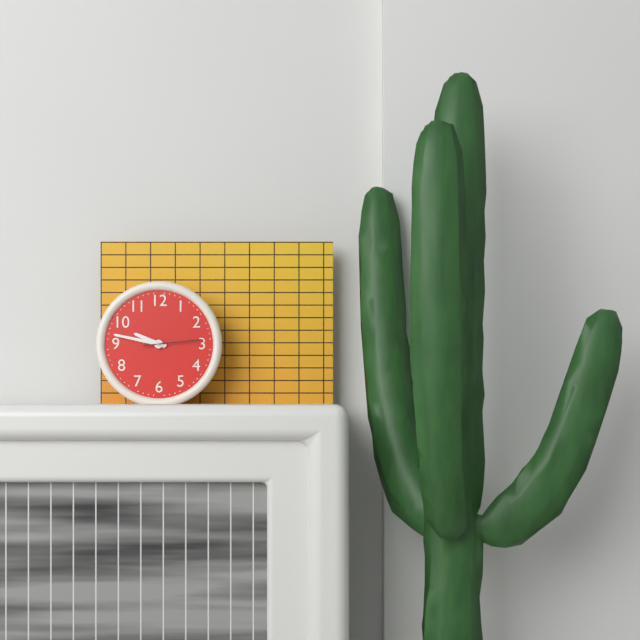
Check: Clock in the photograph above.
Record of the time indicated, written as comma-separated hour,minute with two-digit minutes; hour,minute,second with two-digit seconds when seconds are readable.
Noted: 9,47,14
